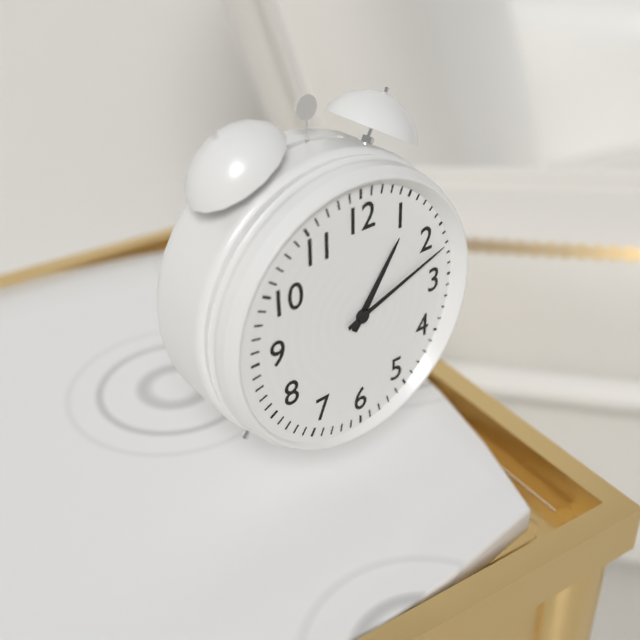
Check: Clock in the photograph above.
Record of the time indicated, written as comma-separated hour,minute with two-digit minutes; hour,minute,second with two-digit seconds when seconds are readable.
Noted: 1,12
